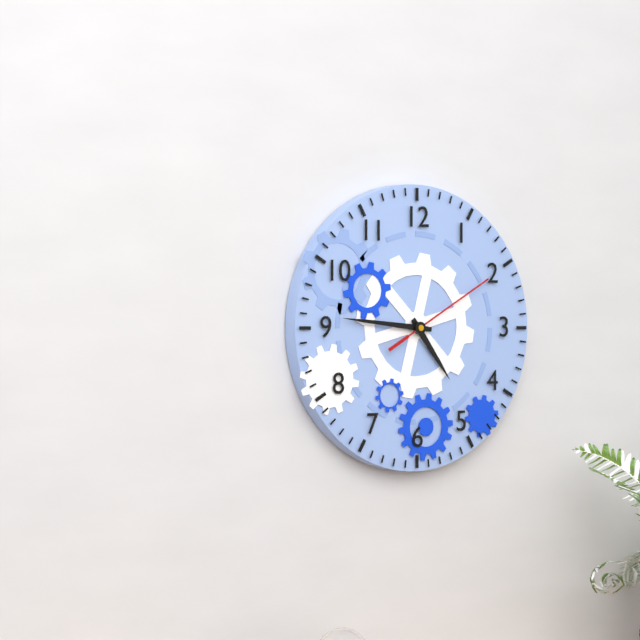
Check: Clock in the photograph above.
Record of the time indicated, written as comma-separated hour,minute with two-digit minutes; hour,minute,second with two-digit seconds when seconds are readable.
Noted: 4,46,10
